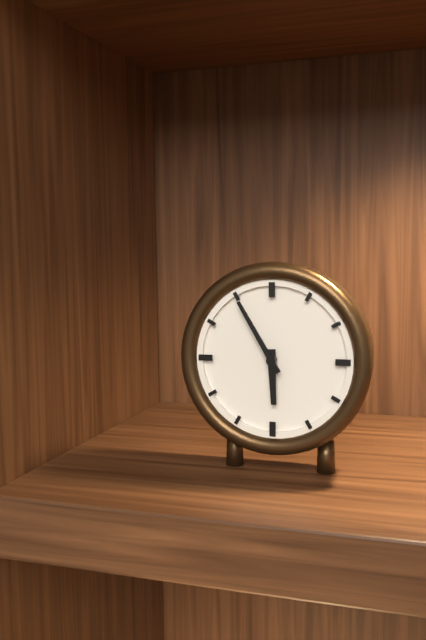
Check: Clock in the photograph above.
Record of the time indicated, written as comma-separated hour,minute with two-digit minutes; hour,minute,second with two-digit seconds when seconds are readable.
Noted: 5,55
